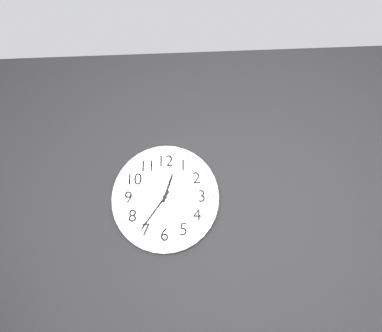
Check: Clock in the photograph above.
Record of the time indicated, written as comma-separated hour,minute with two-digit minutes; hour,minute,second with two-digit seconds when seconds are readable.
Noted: 12,36
